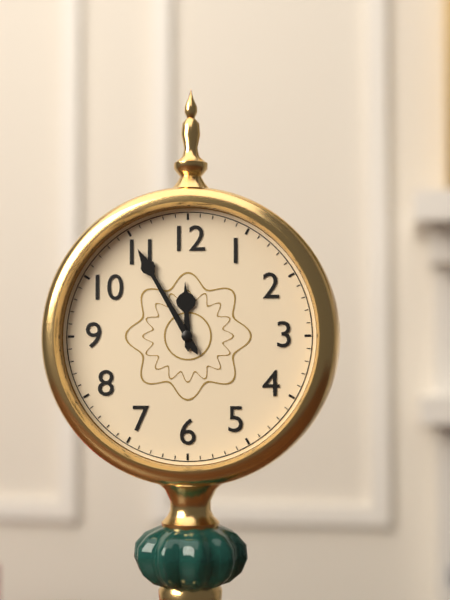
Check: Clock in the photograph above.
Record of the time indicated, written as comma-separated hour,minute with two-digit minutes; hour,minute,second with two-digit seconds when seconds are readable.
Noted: 11,55
